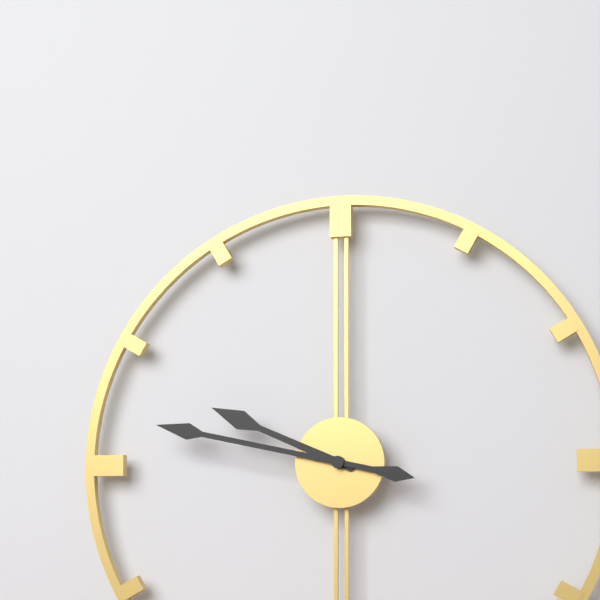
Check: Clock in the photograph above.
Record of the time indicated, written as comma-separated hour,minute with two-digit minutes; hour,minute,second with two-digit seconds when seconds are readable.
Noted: 9,47
